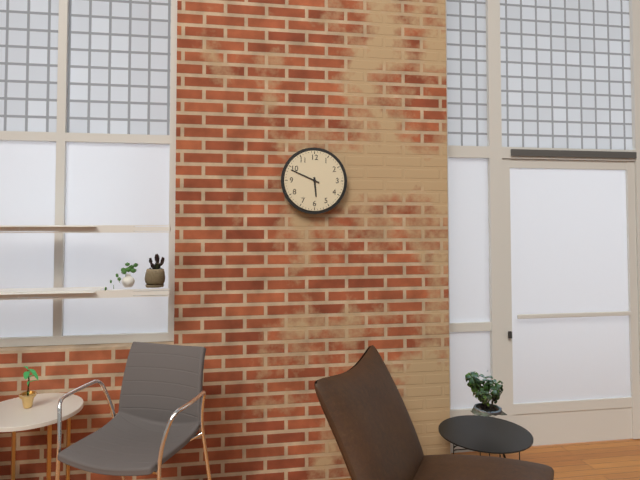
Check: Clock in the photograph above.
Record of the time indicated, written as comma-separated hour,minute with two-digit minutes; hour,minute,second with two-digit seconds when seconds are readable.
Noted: 5,49
